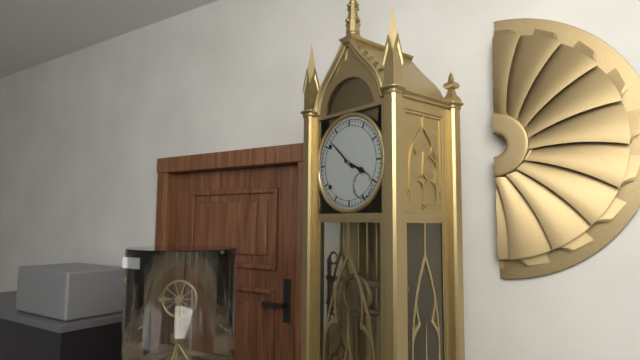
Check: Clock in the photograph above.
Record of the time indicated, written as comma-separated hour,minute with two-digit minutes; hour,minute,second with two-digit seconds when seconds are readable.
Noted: 3,52
